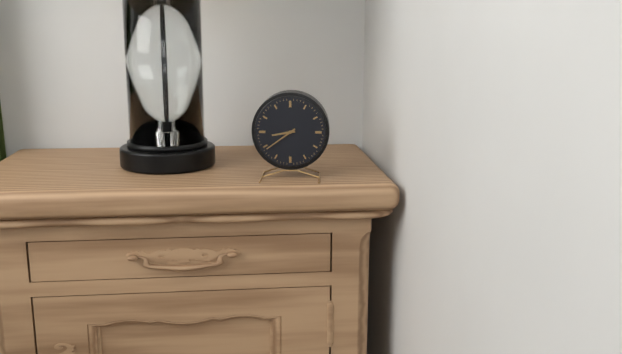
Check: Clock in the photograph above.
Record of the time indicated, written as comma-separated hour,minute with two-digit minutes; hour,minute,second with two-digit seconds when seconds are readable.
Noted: 8,39
